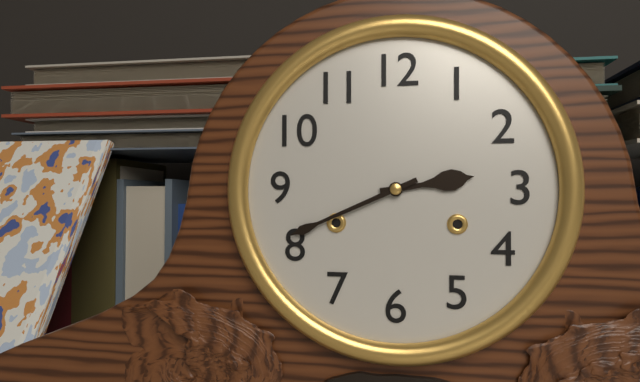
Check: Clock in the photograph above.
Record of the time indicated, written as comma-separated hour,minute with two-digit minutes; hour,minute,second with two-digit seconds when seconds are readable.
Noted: 2,41
